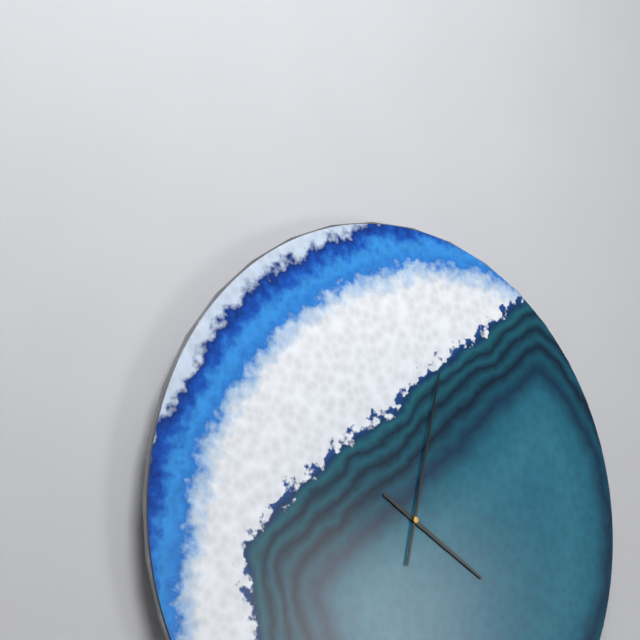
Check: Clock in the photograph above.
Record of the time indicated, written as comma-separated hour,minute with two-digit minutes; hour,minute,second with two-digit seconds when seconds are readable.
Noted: 4,02
